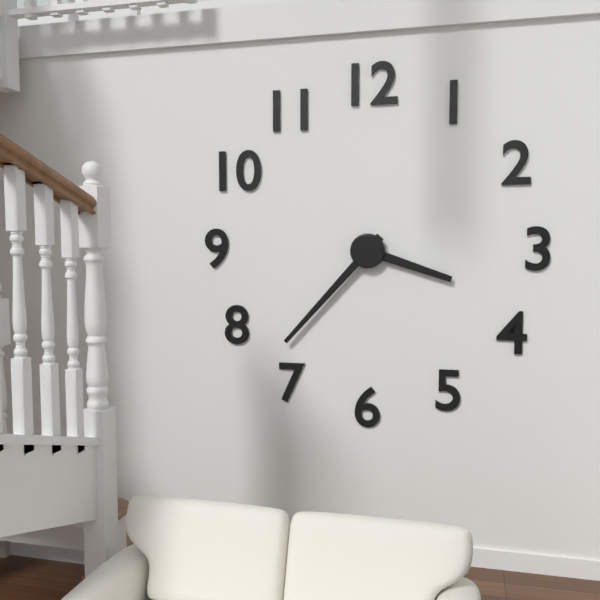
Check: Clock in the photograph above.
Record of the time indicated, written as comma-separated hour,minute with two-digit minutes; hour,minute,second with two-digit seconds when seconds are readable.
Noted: 3,37
